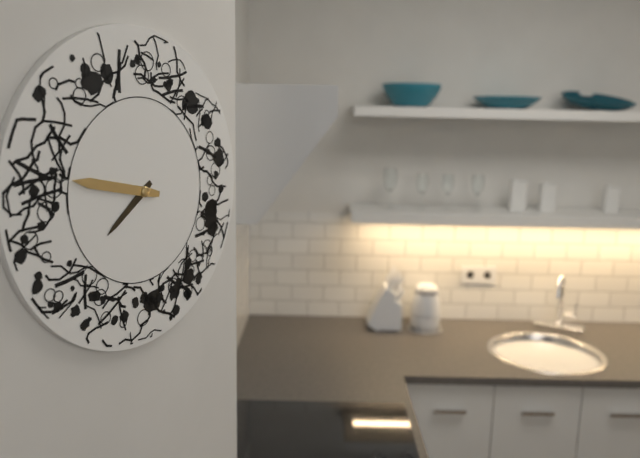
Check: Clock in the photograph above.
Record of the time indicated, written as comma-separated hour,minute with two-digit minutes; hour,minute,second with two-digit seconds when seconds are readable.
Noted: 7,47
